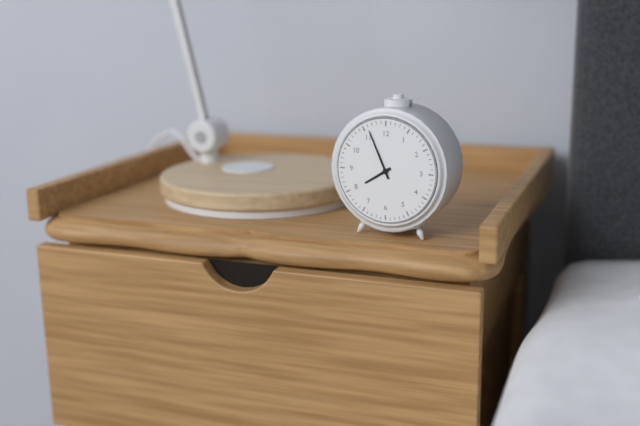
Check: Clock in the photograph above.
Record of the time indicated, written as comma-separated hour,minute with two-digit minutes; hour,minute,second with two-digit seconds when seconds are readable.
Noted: 7,56
